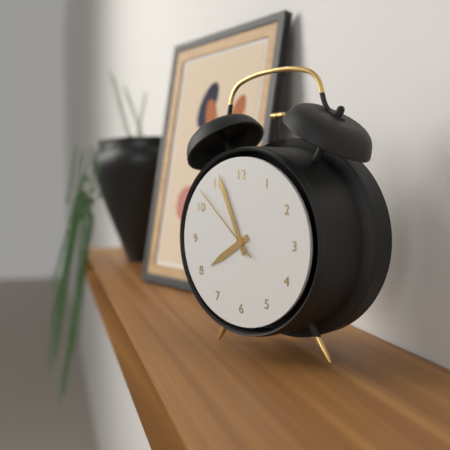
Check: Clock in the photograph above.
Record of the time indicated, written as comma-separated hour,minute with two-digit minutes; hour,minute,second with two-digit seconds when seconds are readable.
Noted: 7,56,52
